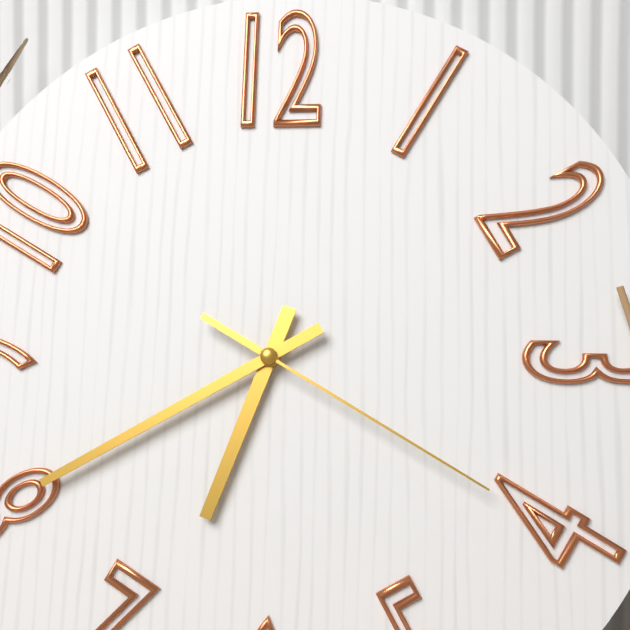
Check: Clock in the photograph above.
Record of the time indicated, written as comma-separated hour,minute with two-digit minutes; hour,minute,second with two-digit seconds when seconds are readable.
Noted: 6,40,20
